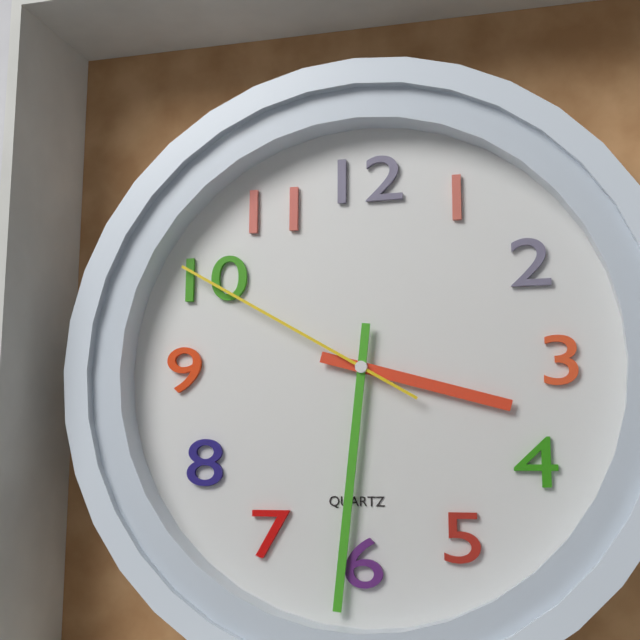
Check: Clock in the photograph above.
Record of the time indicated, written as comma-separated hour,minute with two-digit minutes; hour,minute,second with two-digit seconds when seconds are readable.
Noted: 3,31,50
